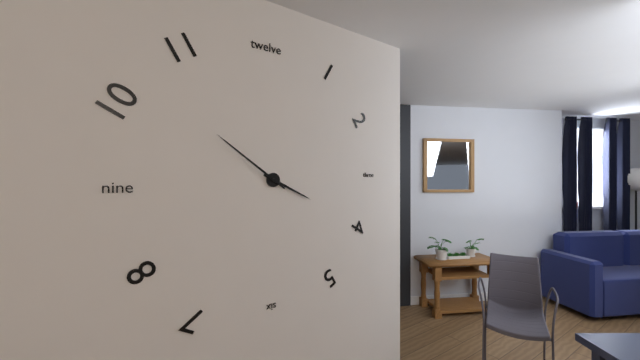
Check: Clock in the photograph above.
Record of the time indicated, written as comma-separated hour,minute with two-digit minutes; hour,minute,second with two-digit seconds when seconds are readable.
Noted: 3,51
